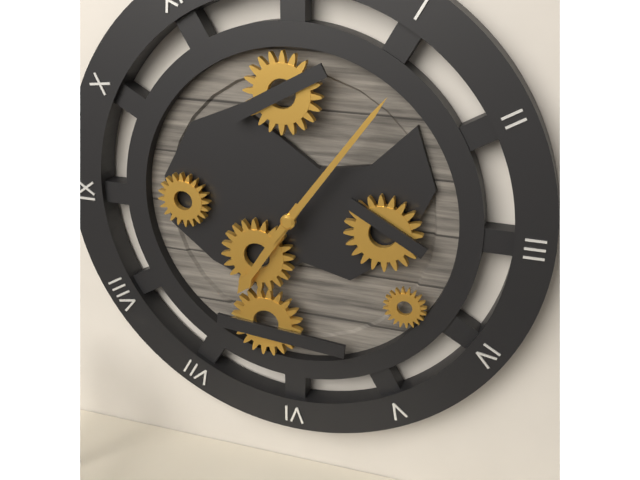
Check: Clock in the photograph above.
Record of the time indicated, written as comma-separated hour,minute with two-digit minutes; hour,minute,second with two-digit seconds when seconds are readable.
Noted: 7,06
